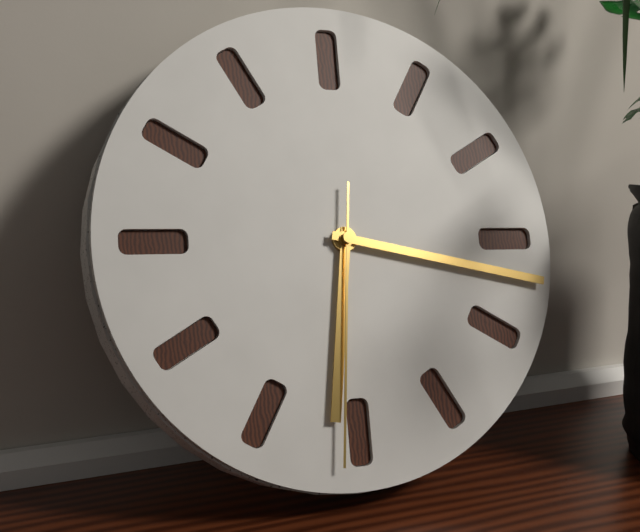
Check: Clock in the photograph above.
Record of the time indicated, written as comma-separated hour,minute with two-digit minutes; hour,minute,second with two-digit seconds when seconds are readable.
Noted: 6,17,31
